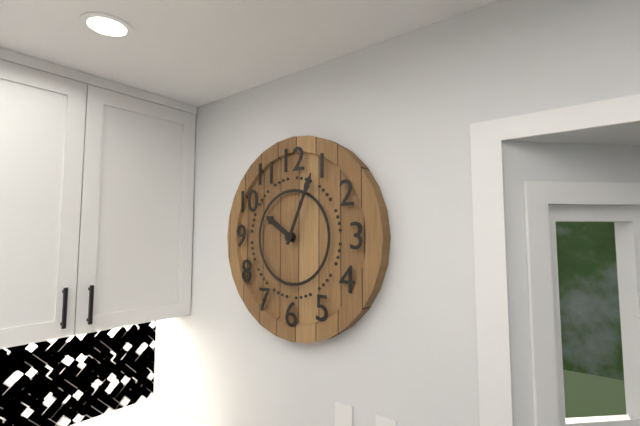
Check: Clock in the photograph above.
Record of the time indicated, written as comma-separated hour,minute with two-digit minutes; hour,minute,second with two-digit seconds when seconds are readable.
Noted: 10,04
